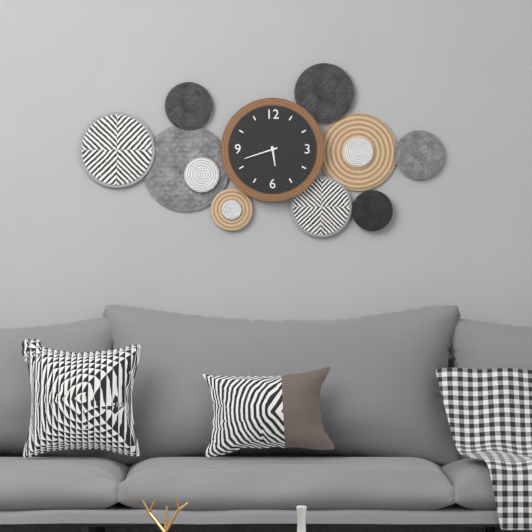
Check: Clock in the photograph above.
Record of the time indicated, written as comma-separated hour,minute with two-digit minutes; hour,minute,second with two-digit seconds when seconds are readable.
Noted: 5,42
